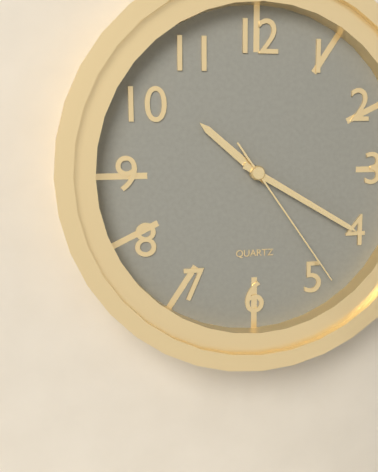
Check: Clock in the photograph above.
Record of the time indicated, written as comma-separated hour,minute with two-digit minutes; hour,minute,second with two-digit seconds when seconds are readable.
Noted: 10,20,24
